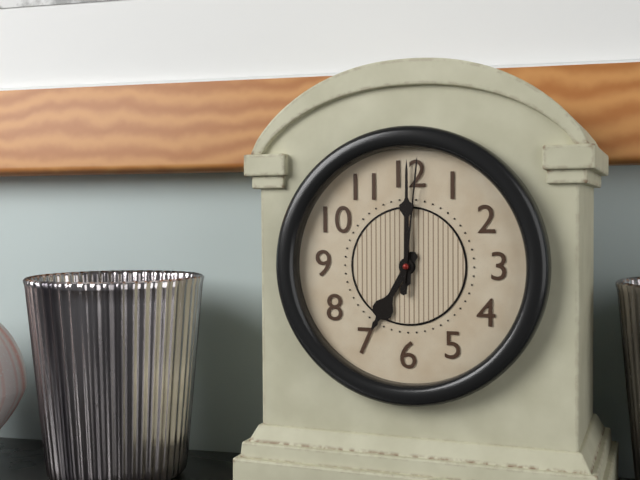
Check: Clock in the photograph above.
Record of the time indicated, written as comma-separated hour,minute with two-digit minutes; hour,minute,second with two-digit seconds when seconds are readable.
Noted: 7,00,01
